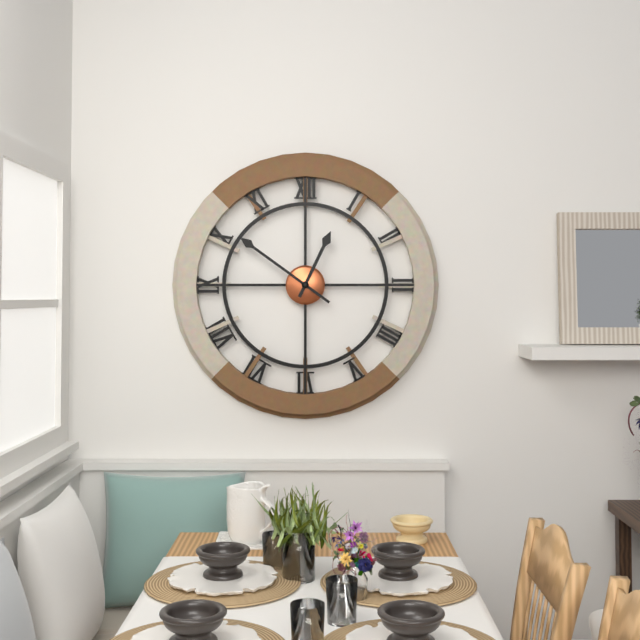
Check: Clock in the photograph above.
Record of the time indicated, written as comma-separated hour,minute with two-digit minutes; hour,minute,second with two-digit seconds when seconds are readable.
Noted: 12,51
